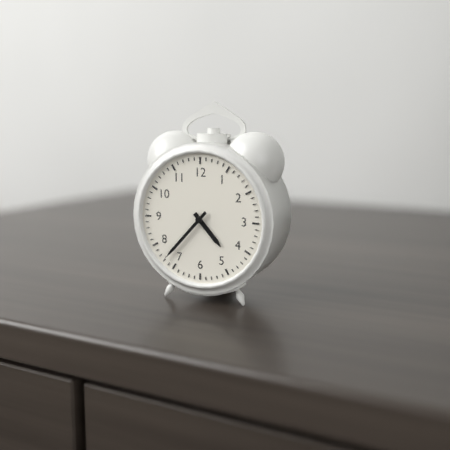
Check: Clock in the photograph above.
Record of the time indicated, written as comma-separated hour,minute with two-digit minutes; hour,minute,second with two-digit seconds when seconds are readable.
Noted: 4,37
